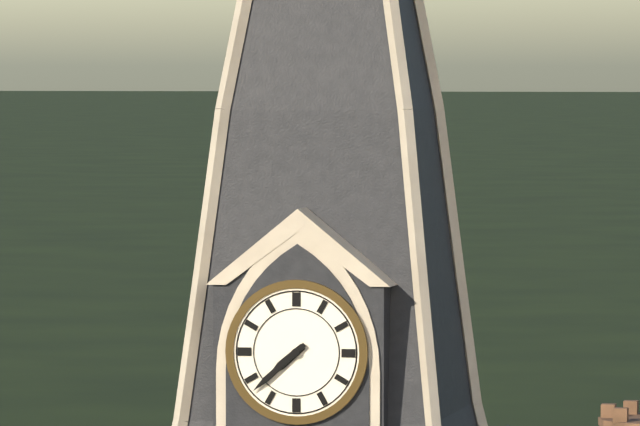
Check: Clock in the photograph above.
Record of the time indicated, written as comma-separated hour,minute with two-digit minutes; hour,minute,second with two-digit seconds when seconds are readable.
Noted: 7,38
